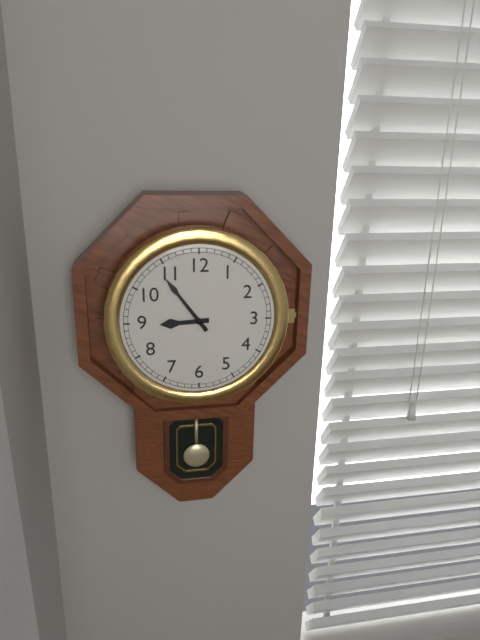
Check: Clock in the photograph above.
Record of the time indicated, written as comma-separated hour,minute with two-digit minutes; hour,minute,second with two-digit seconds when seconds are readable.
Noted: 8,54
